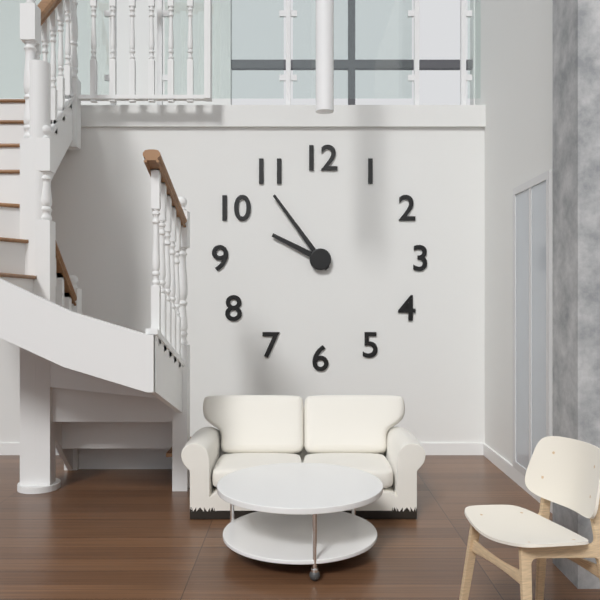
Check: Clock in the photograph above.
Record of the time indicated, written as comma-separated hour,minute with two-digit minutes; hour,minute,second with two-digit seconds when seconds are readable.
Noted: 9,54
